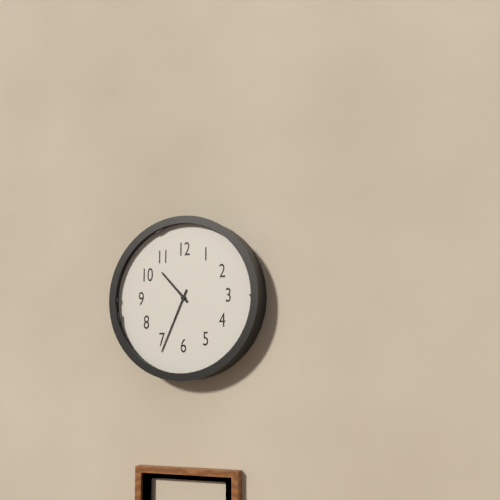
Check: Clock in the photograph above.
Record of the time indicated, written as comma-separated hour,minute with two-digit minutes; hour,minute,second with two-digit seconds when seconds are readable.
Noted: 10,34
